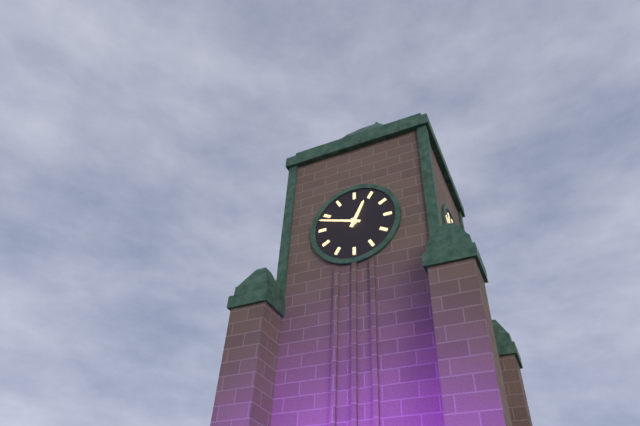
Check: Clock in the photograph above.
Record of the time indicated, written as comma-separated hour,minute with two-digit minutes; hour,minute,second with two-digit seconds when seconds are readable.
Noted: 12,48
